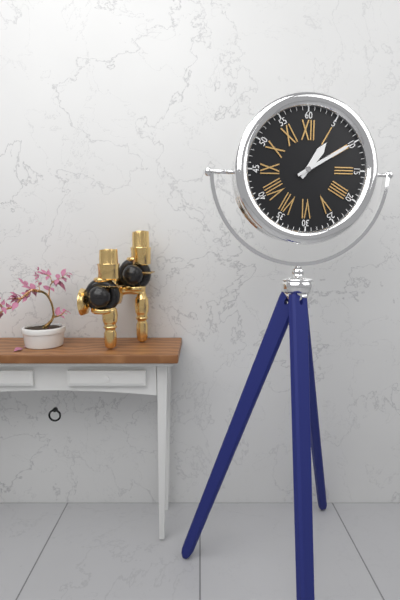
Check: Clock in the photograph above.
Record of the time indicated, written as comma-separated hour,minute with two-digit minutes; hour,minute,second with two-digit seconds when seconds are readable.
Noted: 1,10
